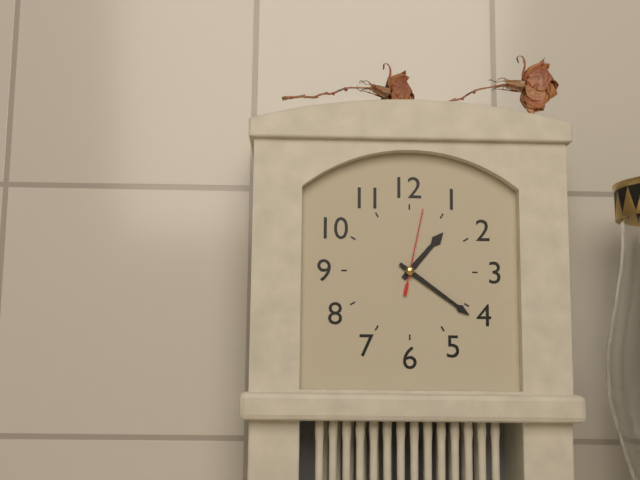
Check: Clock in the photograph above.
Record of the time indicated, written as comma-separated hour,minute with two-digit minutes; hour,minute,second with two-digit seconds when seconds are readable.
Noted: 1,21,02
